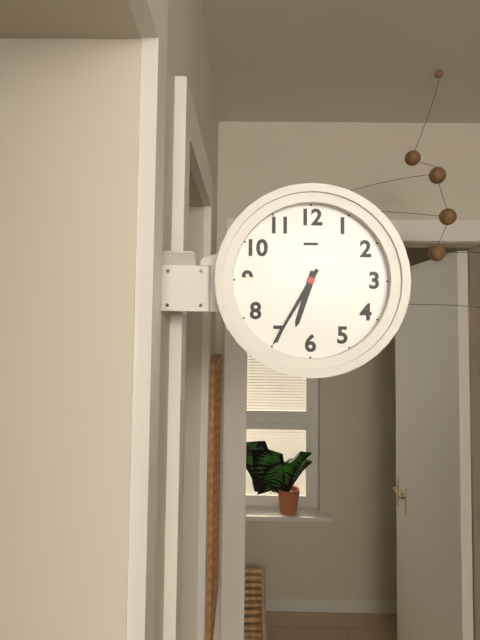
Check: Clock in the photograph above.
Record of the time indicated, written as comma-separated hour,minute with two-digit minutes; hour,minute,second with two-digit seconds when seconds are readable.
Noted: 6,35
